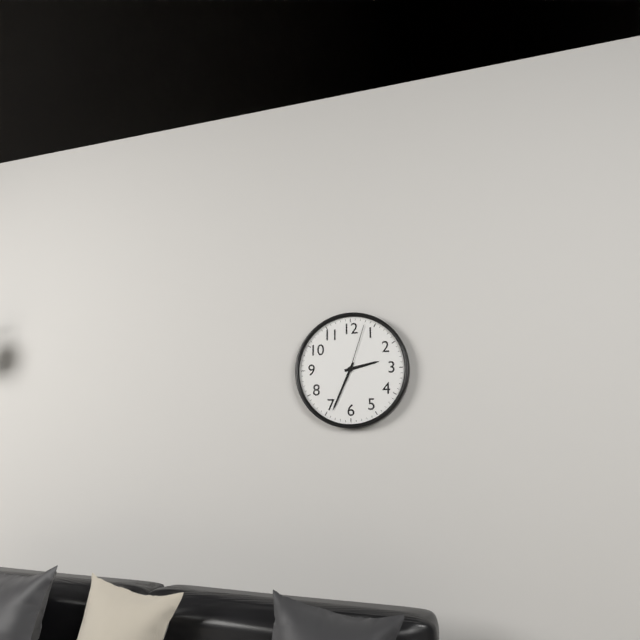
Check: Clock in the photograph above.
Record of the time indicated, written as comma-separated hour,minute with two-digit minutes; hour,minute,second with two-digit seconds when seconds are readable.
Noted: 2,34,03
